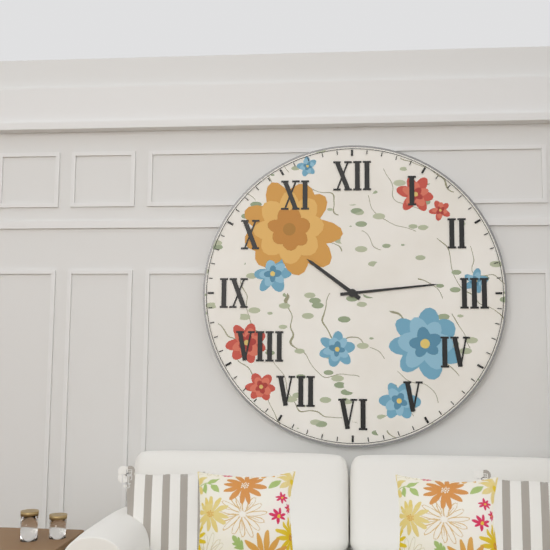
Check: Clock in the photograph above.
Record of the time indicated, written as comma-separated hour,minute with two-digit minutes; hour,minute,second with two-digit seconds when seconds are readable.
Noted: 10,14
